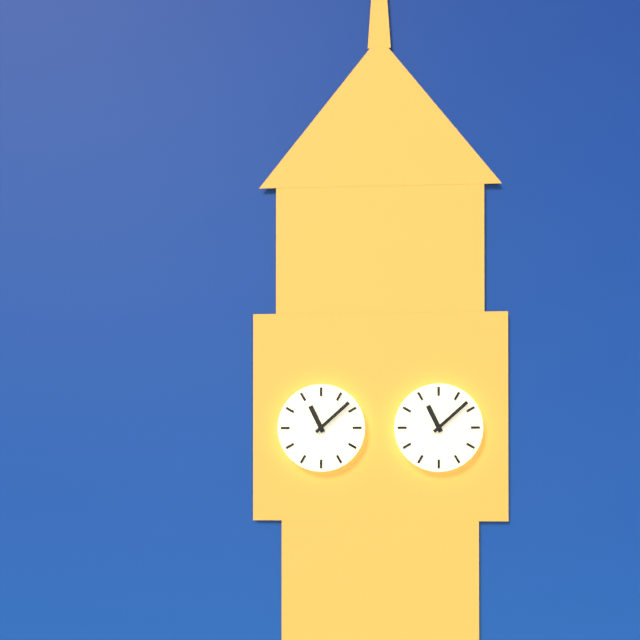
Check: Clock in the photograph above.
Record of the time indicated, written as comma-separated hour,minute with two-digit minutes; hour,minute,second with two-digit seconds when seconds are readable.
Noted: 11,08
